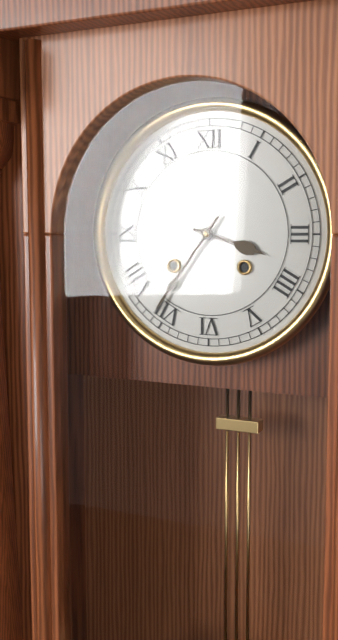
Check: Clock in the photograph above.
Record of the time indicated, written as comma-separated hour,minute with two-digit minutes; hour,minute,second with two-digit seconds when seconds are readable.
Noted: 3,36
